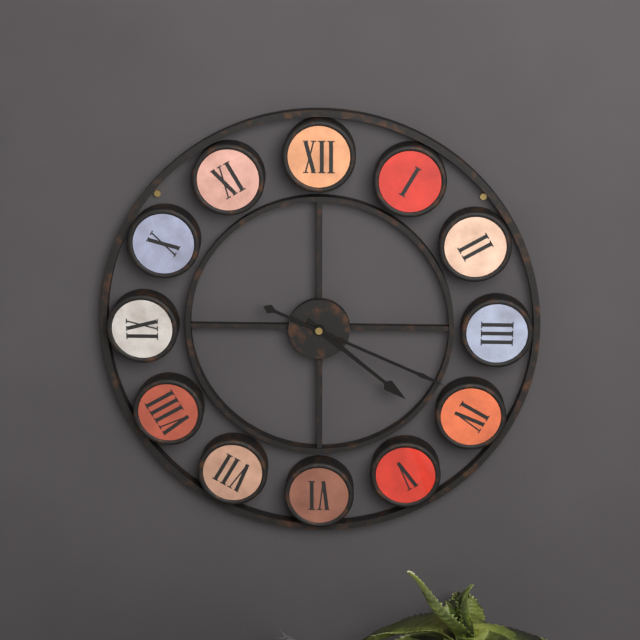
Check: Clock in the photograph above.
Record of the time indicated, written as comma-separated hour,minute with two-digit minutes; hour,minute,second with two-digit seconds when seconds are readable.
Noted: 4,19
